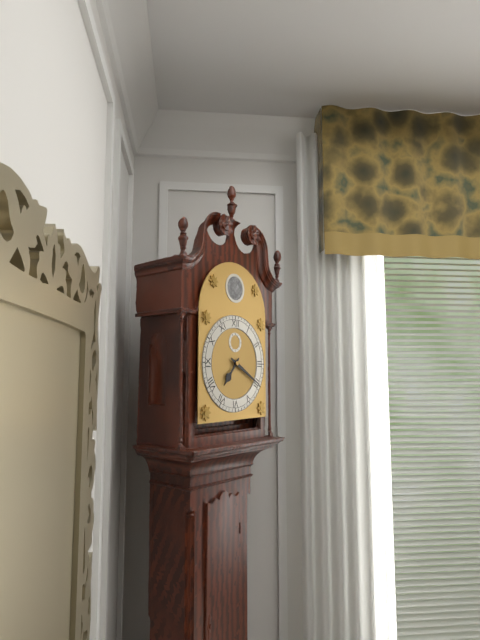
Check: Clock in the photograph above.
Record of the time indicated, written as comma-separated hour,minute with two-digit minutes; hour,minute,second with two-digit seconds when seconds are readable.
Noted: 7,20
